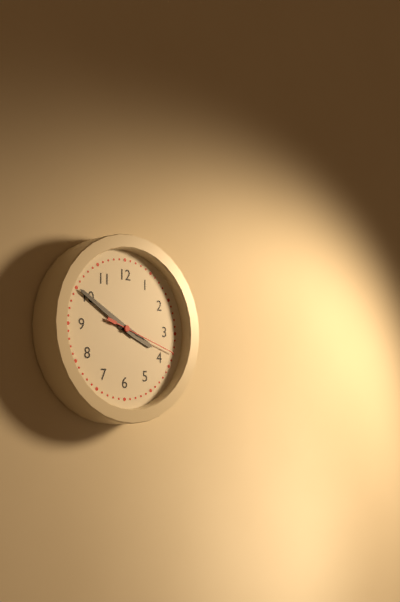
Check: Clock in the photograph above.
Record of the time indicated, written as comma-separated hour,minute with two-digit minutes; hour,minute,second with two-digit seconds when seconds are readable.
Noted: 3,50,18
